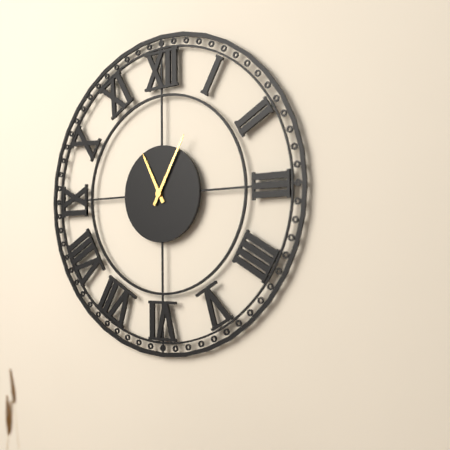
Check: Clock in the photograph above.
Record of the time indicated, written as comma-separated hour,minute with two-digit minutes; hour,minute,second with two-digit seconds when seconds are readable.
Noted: 11,05
